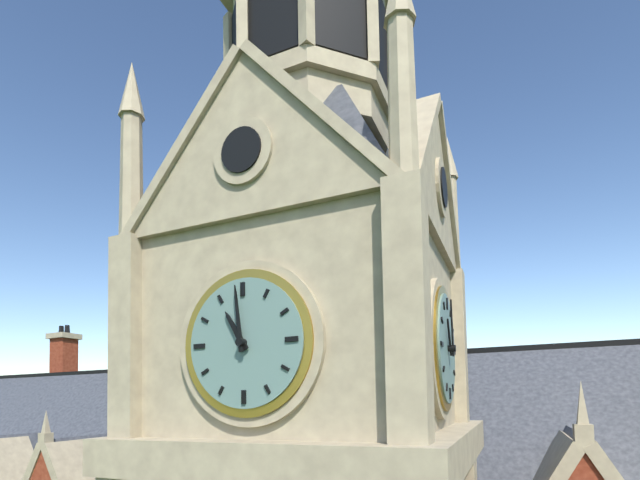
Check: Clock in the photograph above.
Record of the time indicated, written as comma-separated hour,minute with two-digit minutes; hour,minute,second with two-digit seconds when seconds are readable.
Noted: 10,59
